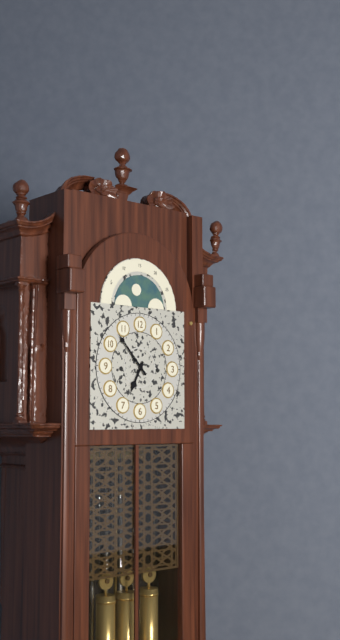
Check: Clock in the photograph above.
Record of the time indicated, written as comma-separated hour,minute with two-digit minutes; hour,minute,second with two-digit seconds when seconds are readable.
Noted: 6,53
